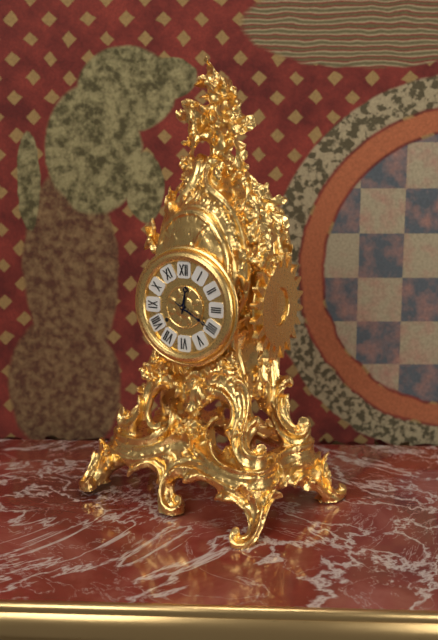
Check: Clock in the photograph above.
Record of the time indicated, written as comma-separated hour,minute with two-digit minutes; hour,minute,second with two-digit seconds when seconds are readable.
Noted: 12,20
